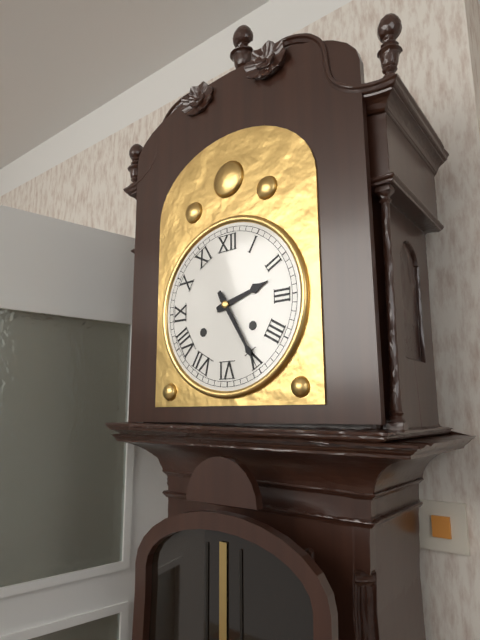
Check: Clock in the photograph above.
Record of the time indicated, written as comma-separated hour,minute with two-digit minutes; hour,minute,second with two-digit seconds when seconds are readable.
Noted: 2,25
